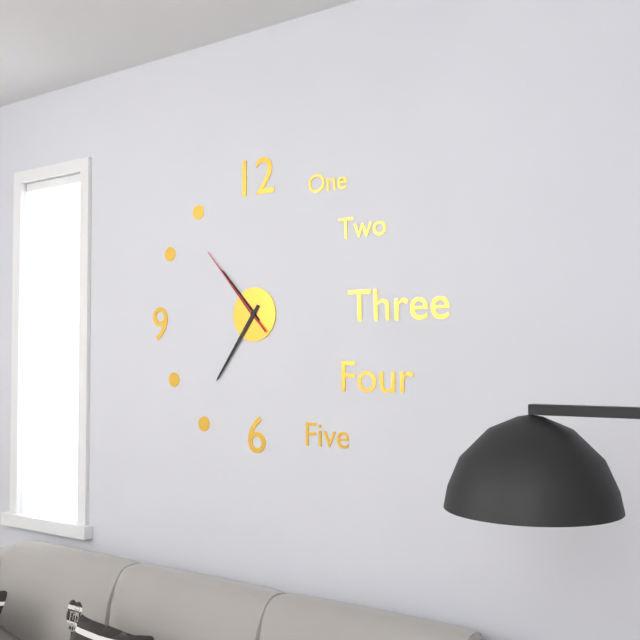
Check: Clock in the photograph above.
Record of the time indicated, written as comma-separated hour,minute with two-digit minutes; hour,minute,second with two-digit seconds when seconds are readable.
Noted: 10,36,53
